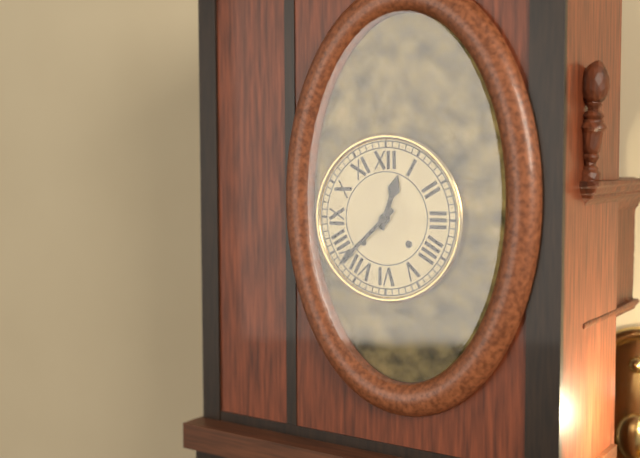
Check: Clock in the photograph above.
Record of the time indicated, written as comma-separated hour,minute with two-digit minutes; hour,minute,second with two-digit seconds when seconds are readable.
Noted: 12,38
